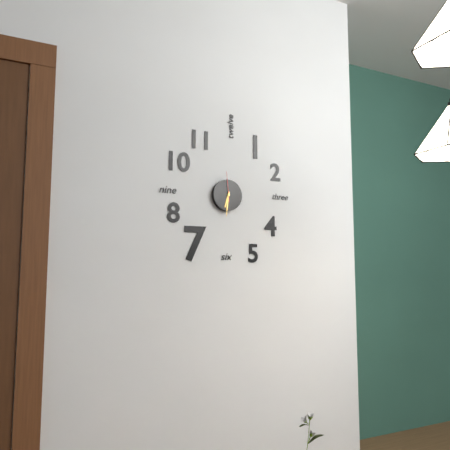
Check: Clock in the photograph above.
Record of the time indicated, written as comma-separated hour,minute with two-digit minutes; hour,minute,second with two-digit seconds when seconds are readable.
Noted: 6,31
